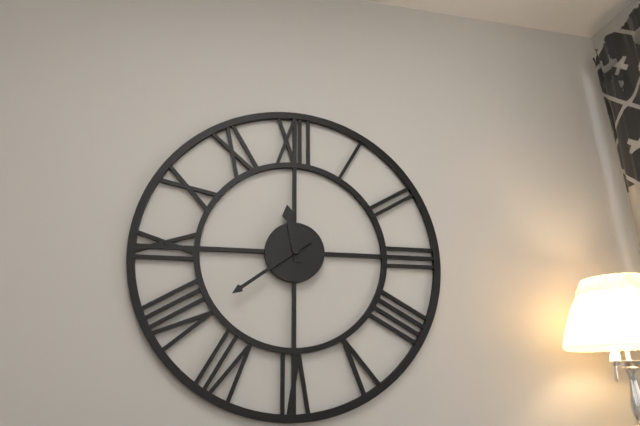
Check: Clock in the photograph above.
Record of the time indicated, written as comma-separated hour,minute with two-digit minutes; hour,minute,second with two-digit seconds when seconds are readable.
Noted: 11,39
